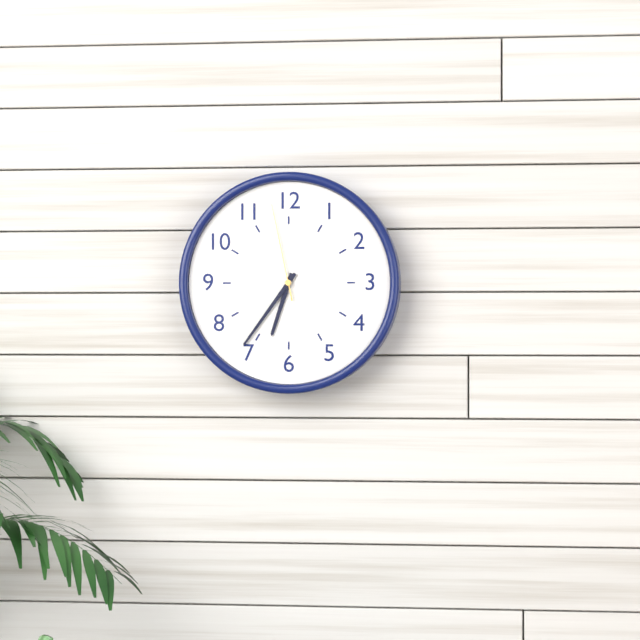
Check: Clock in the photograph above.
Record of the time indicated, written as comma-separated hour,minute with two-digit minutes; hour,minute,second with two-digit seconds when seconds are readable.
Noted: 6,36,58
